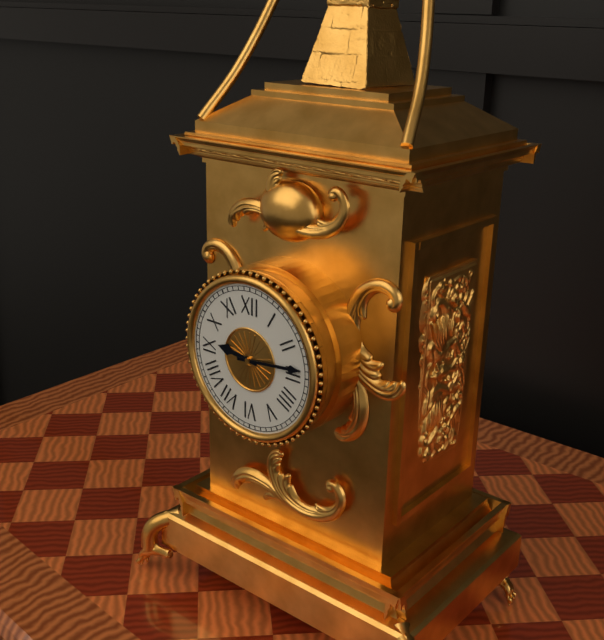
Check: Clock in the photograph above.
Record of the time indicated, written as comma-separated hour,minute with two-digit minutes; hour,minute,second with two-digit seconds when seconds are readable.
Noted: 9,14
